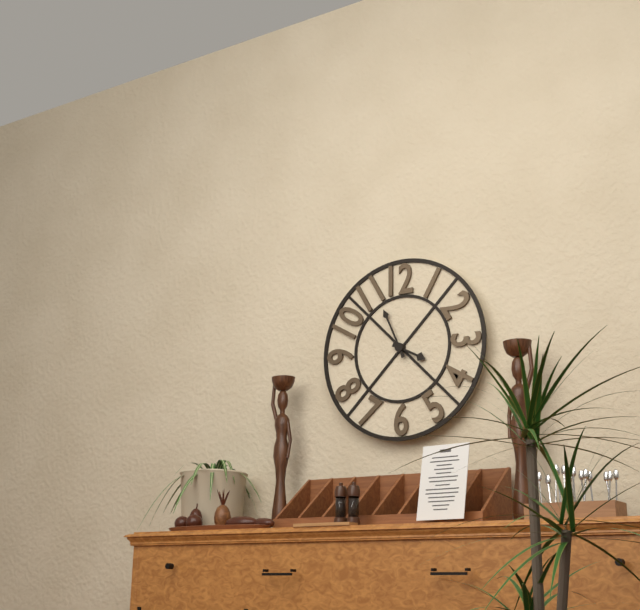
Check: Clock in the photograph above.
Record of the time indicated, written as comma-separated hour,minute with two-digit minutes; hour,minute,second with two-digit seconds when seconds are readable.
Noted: 3,56
